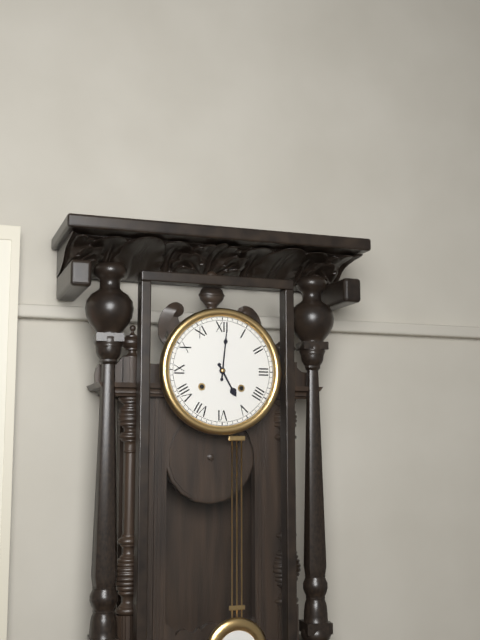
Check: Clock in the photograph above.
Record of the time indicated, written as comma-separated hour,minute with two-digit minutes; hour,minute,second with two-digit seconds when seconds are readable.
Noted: 5,01
